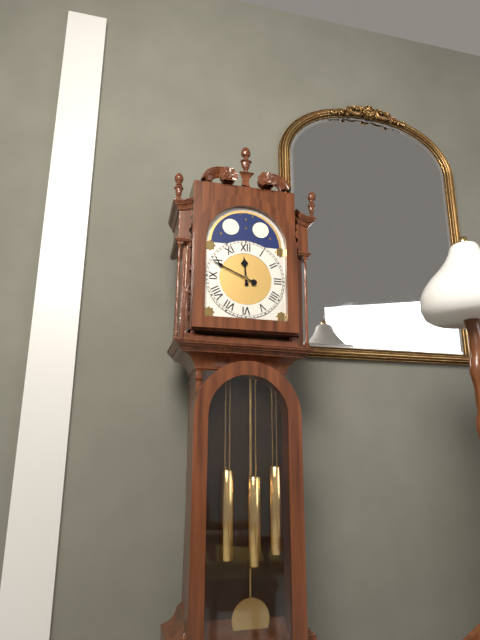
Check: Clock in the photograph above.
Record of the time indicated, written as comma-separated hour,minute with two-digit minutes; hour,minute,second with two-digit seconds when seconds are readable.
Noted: 11,49
